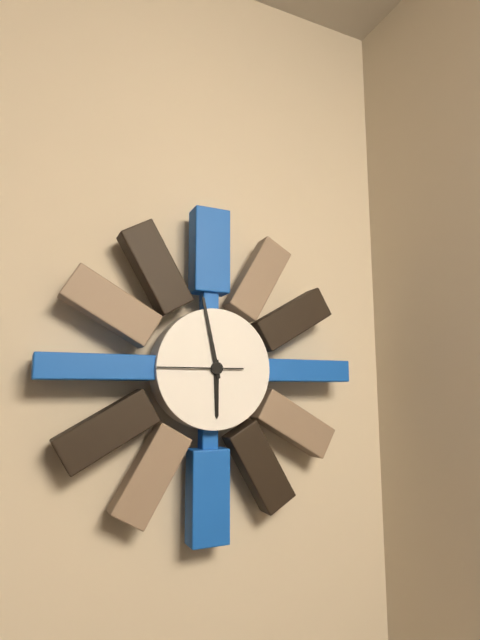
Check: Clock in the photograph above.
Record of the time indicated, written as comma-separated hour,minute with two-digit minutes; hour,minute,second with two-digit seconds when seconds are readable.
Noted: 5,58,45
